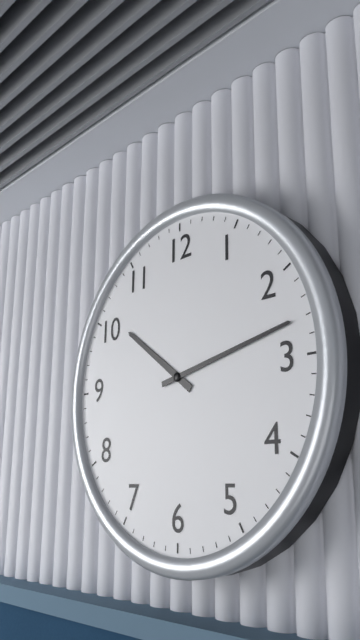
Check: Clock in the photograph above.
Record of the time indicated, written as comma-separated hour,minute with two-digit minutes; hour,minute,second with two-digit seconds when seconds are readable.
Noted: 10,13
